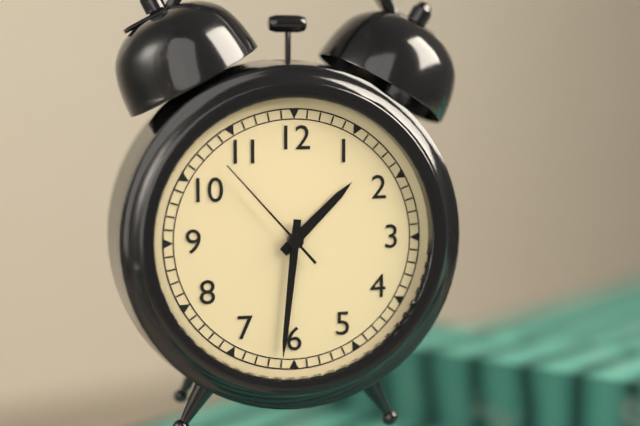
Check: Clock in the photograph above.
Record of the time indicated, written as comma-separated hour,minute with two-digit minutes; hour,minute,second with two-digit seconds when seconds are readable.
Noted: 1,31,53
